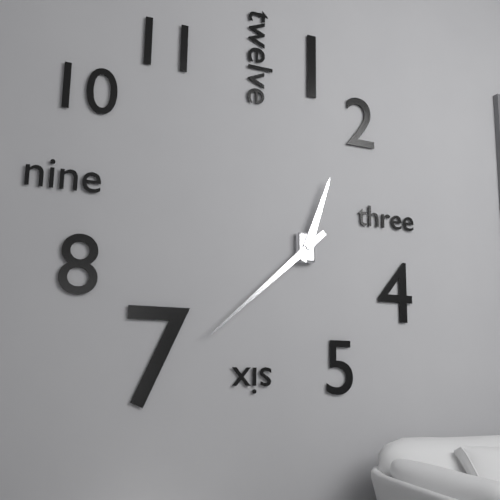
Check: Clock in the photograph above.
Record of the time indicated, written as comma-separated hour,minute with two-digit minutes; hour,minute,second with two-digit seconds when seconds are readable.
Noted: 12,38
